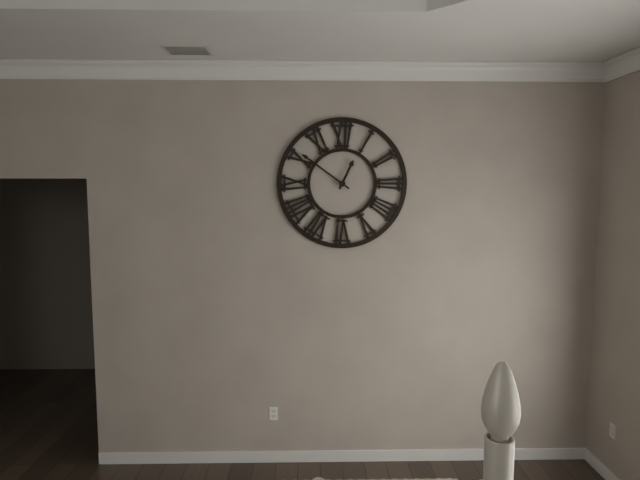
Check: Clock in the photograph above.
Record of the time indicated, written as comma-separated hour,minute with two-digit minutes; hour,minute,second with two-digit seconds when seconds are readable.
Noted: 12,51
